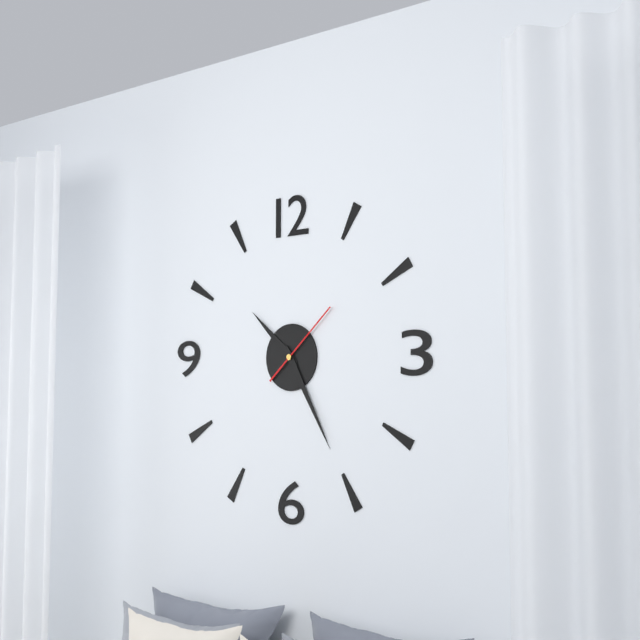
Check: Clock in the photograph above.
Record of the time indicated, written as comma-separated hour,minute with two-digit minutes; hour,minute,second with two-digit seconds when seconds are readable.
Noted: 10,25,08
